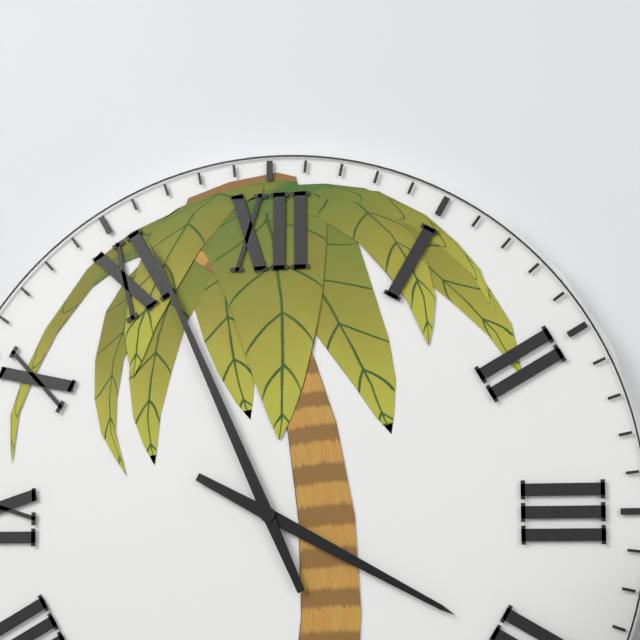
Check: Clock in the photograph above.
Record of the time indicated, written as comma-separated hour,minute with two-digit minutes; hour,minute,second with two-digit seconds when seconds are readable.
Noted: 3,56
